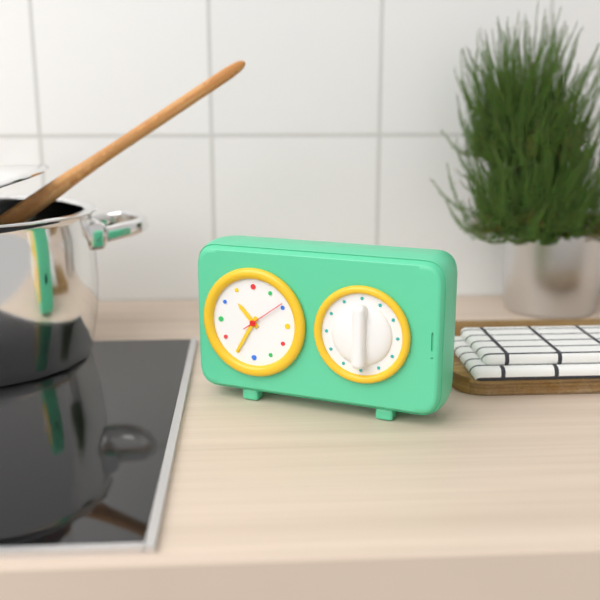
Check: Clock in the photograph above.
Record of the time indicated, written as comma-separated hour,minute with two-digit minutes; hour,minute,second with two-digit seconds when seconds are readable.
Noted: 10,35
